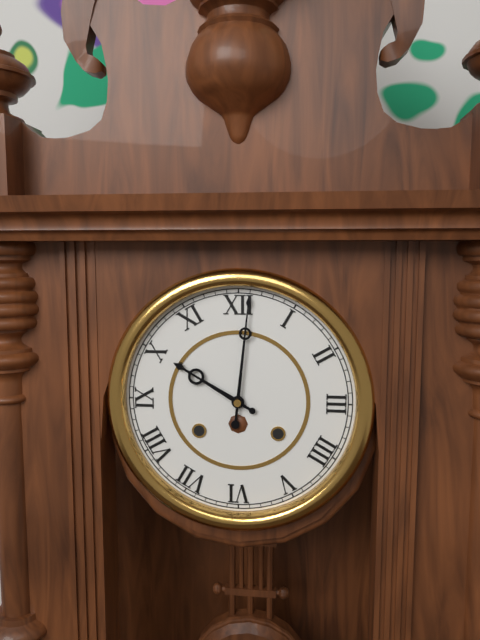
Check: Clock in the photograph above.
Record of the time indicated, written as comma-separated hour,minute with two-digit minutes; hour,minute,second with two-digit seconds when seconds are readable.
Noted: 10,01
